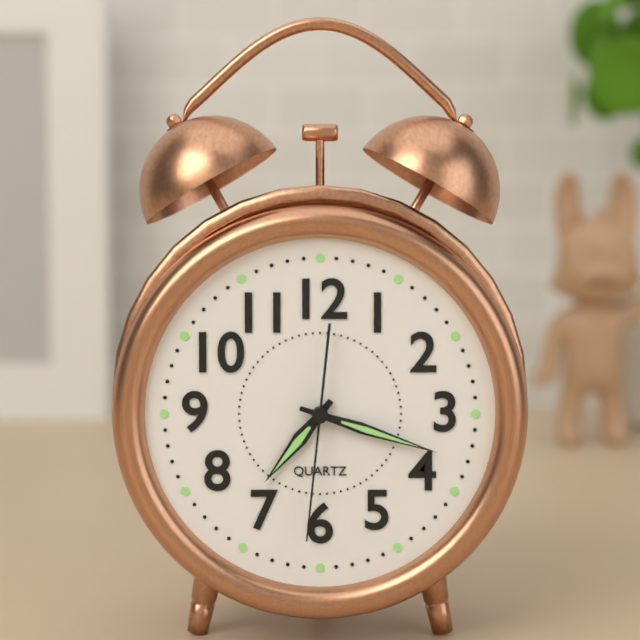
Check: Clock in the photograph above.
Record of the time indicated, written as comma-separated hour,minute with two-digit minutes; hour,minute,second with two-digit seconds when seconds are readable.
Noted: 7,18,31
